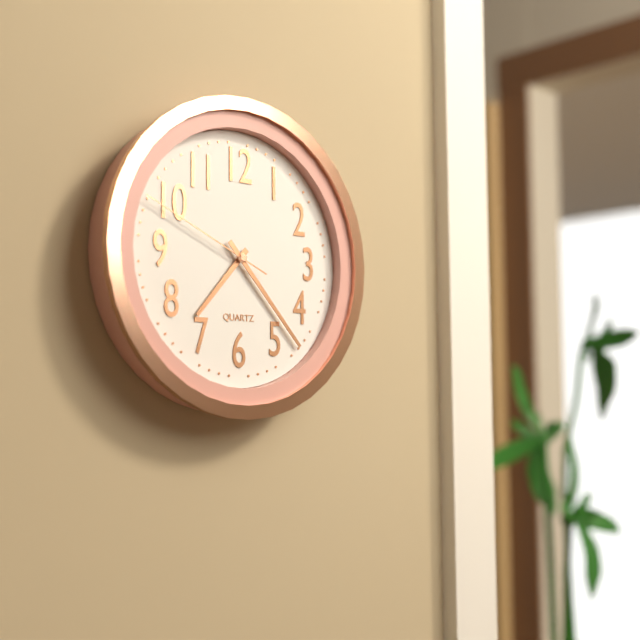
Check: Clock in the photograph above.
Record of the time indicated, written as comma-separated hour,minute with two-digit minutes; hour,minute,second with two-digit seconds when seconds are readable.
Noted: 7,23,49
